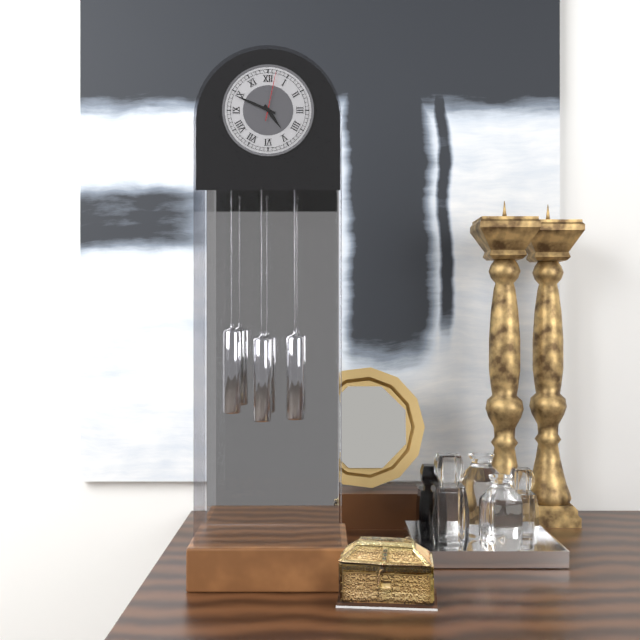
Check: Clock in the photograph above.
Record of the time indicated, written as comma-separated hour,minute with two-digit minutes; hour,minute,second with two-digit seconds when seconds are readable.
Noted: 4,49
